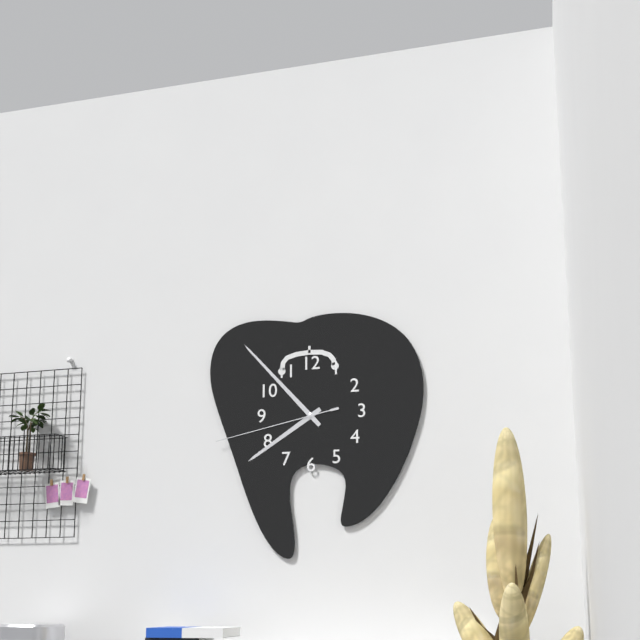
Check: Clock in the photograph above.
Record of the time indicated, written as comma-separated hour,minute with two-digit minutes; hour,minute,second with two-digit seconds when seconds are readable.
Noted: 7,53,43
